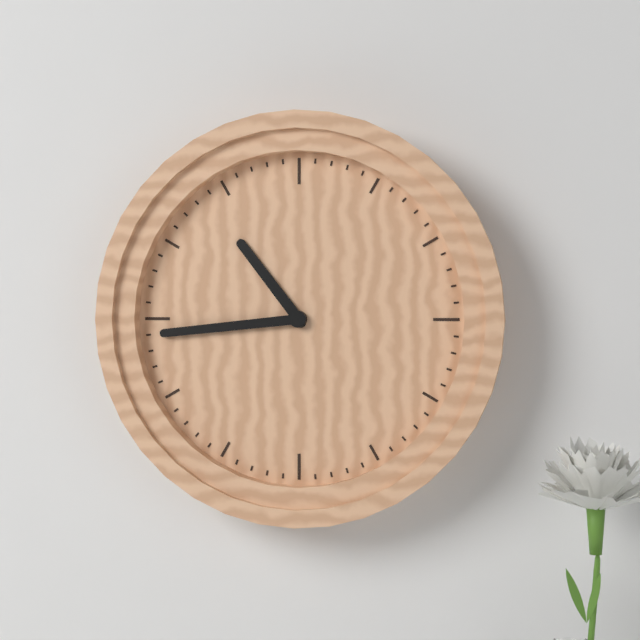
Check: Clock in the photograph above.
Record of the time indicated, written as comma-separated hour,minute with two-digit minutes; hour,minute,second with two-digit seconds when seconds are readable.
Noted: 10,44
